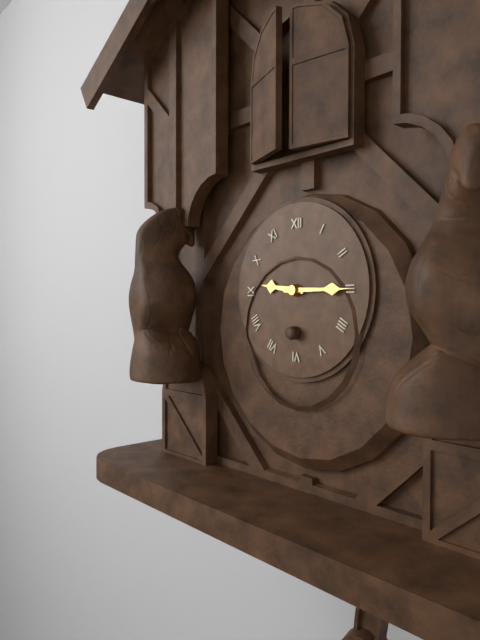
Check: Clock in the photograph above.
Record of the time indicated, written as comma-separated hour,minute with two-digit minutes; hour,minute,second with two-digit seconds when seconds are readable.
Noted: 9,15
